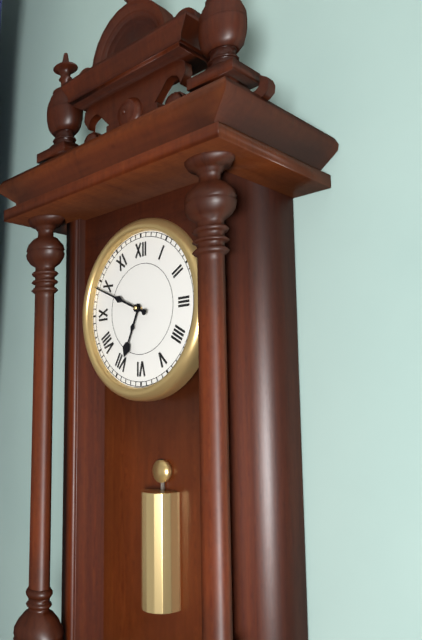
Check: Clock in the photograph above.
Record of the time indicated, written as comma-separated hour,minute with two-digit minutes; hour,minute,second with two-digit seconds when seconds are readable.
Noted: 6,49
